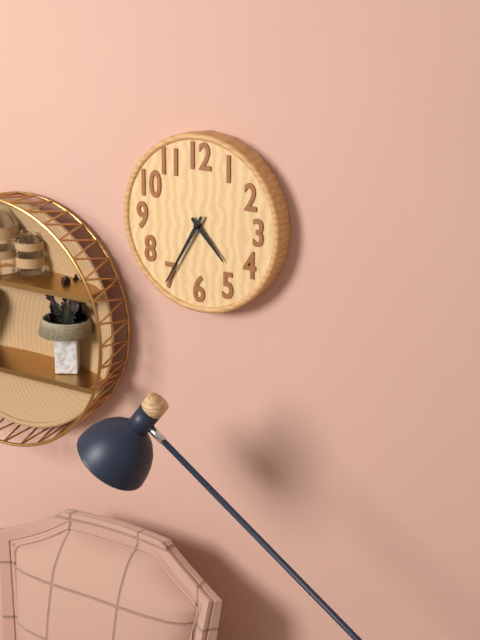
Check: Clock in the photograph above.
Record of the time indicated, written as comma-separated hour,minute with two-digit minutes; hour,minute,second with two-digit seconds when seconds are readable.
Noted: 4,35
